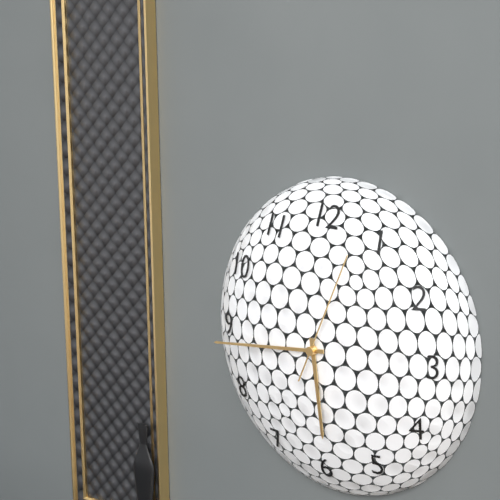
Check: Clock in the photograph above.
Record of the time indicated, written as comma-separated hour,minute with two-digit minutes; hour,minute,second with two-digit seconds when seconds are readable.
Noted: 5,44,04
